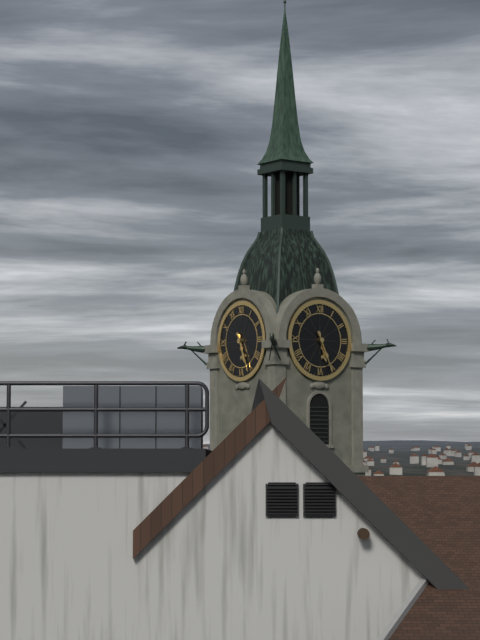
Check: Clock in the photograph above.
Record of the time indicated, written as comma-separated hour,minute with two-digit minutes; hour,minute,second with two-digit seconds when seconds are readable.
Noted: 5,26
